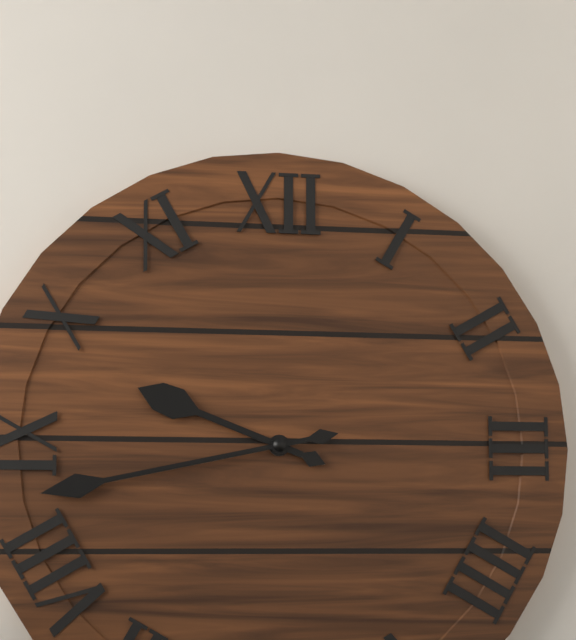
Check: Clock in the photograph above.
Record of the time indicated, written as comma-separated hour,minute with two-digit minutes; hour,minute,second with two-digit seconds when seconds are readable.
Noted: 9,43
